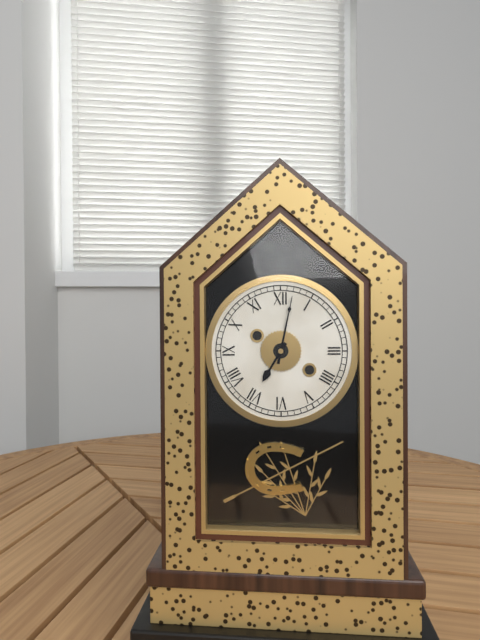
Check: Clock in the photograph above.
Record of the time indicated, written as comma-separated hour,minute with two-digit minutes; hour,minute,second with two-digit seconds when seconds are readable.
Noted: 7,02
